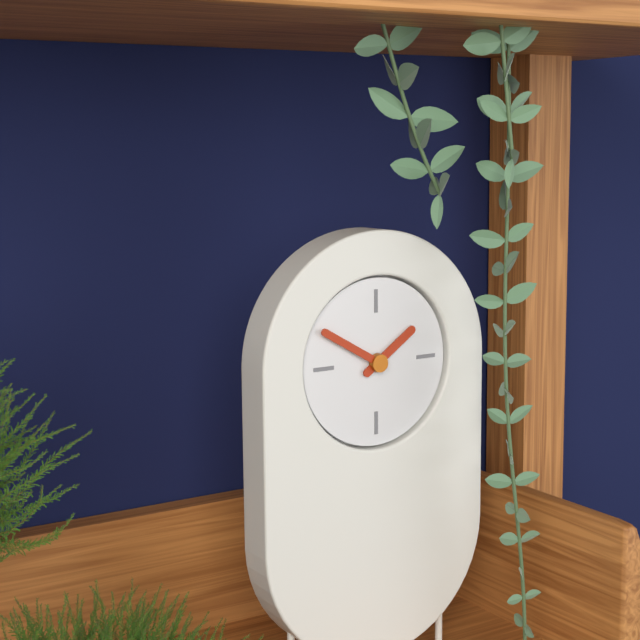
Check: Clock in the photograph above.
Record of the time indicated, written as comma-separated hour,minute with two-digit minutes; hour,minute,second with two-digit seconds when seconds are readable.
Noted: 1,50
